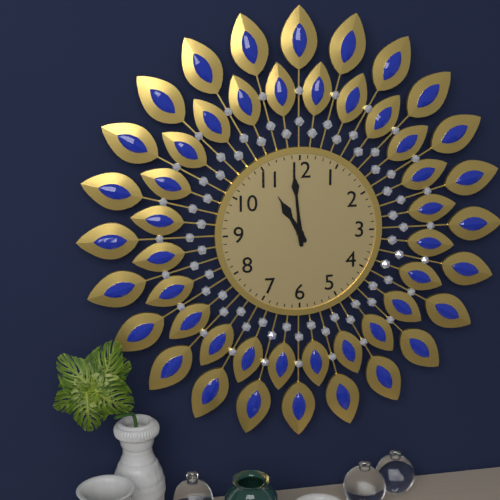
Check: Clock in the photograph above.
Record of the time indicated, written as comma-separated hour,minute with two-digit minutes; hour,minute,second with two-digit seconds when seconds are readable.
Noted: 10,59
